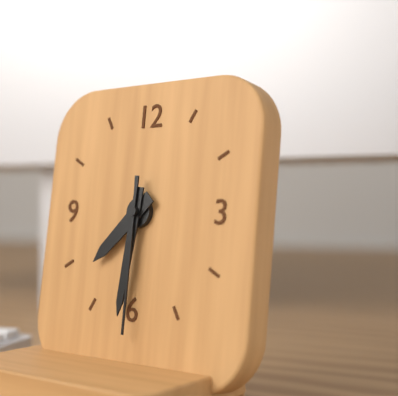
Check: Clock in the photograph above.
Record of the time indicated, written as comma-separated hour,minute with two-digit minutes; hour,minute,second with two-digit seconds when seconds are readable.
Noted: 7,31,30
